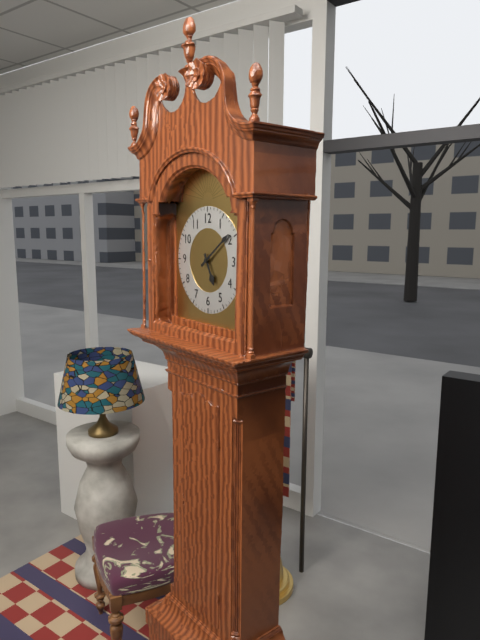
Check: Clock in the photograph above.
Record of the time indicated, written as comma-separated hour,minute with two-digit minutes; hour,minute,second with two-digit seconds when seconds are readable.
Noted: 5,09
